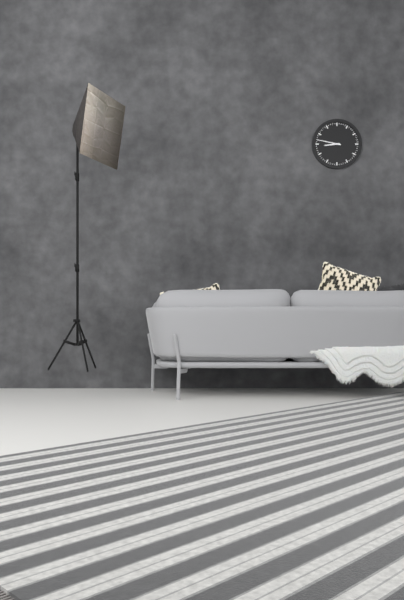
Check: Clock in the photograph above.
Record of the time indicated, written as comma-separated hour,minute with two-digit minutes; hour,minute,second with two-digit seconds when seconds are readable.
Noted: 8,47
